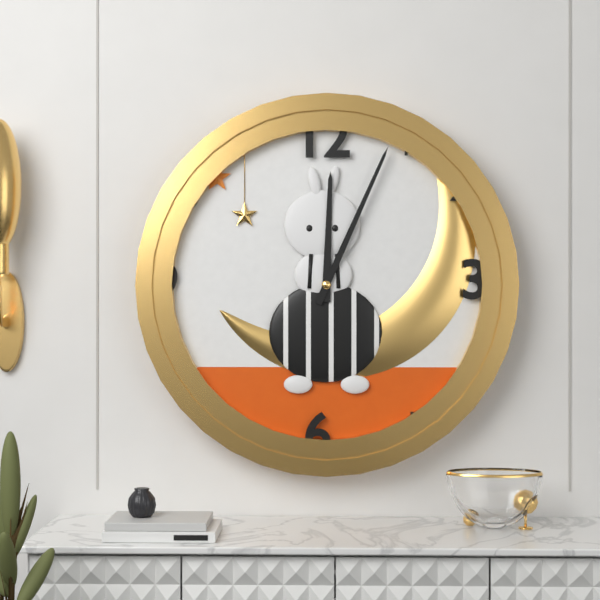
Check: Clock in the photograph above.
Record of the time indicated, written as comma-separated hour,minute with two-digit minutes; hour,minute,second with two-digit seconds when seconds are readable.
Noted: 12,04
